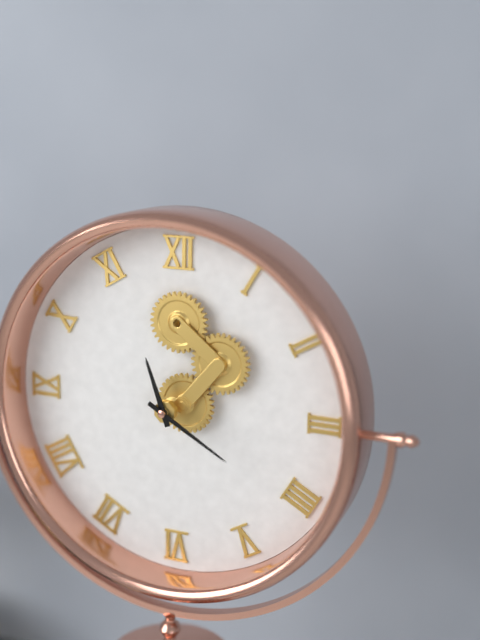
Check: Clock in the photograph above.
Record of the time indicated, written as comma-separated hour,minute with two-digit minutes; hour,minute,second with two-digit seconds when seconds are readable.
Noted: 11,20
